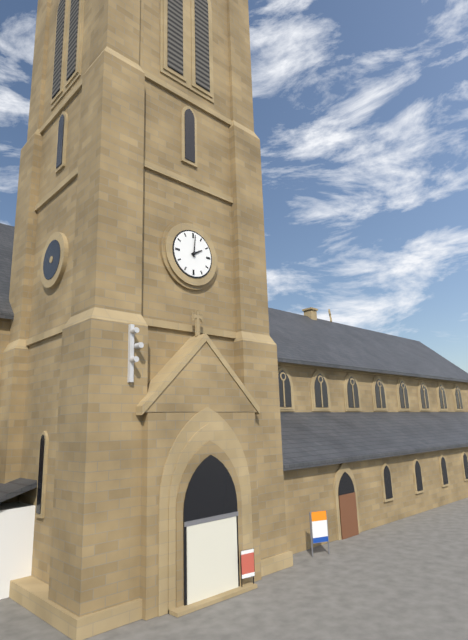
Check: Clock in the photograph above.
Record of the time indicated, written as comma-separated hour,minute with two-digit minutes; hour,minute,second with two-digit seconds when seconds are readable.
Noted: 2,01
